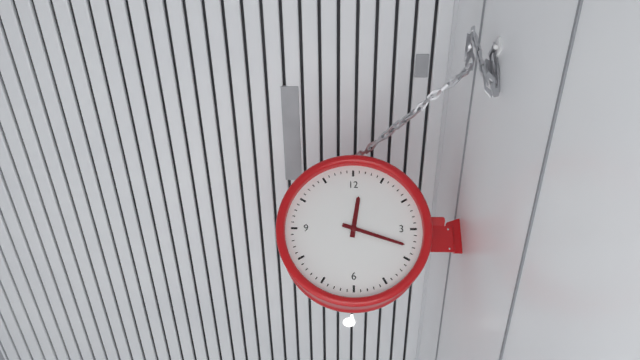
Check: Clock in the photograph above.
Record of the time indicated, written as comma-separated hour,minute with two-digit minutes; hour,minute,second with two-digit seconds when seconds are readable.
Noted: 12,18
